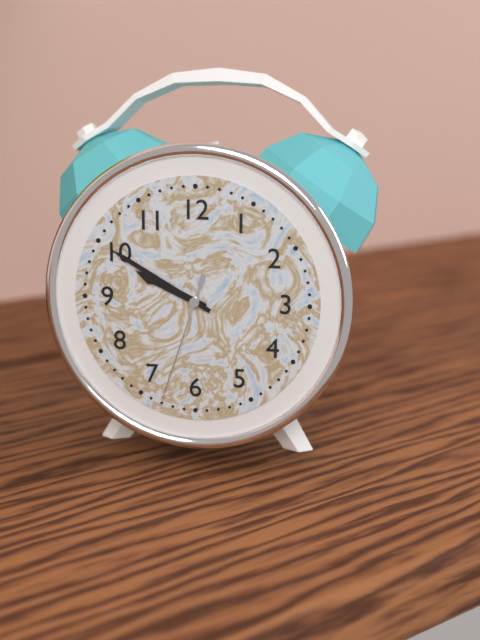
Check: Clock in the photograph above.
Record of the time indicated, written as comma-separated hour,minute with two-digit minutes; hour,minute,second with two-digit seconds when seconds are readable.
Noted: 9,50,33
